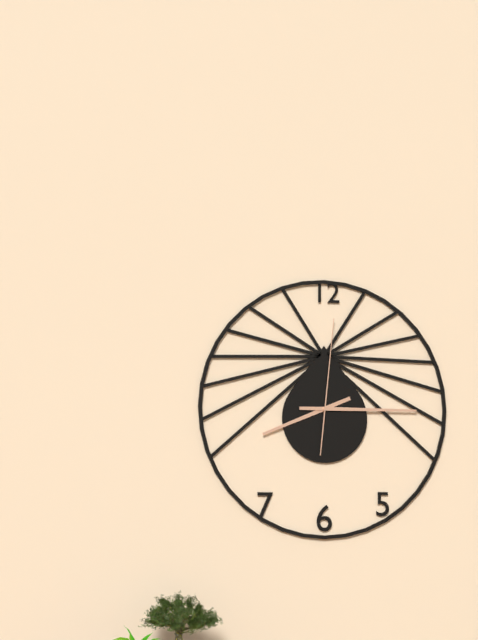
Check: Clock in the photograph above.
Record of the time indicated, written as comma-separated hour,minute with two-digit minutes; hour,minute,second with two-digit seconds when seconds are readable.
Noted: 8,15,01
